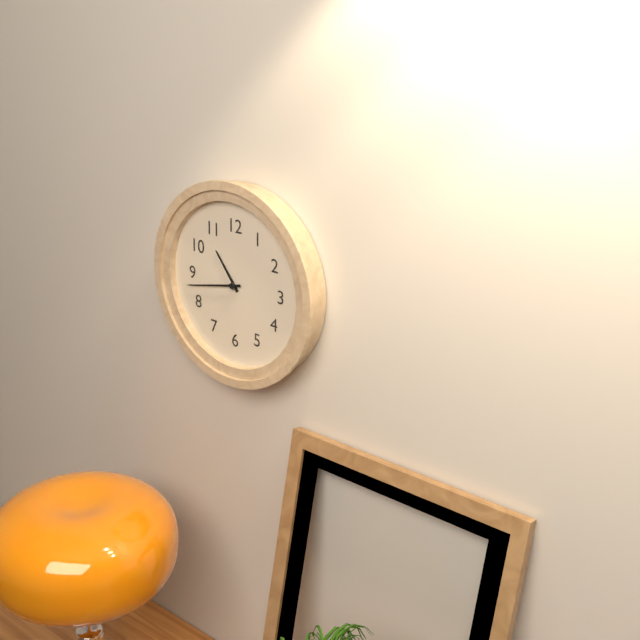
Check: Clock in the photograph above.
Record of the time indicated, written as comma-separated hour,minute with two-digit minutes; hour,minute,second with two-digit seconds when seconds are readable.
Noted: 10,43
